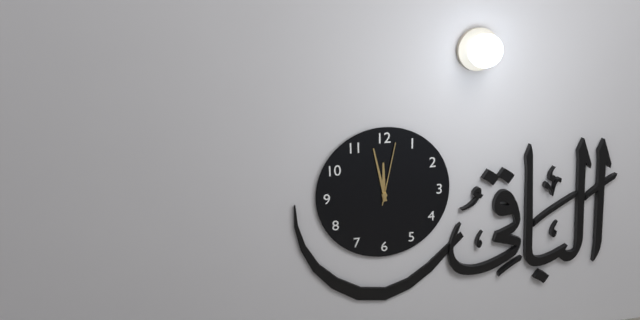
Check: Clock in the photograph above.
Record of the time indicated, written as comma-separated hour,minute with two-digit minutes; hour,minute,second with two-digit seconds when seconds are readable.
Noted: 11,58,02
